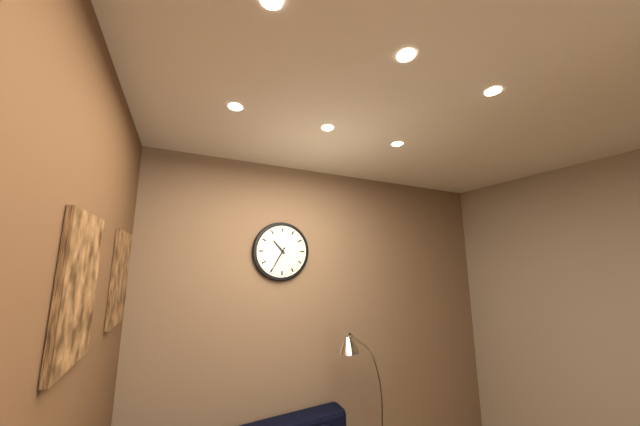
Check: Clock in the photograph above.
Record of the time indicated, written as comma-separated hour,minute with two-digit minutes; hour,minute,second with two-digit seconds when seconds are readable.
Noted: 10,35
